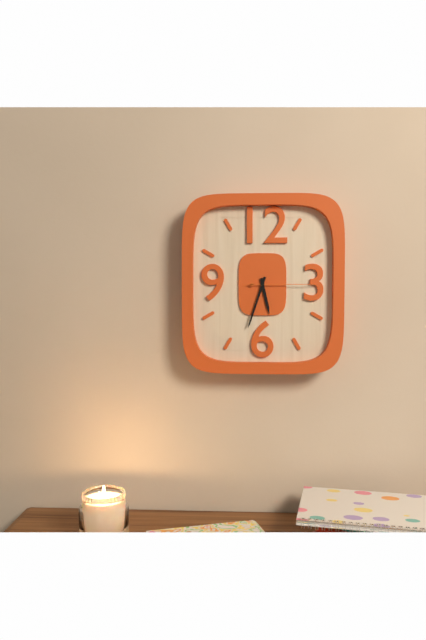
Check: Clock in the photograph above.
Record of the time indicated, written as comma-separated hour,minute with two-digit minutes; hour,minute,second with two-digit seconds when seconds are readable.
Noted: 5,33,15
